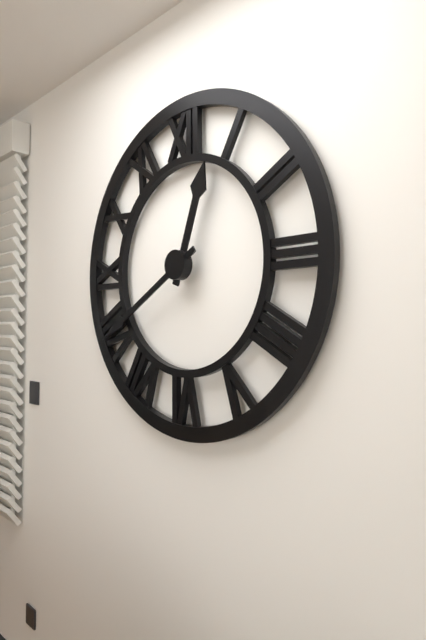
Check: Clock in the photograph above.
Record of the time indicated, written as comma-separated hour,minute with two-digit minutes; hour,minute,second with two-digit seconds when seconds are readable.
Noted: 12,40
